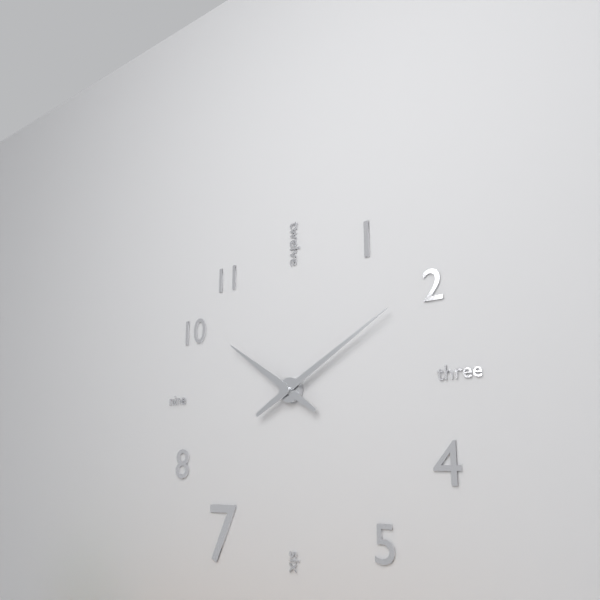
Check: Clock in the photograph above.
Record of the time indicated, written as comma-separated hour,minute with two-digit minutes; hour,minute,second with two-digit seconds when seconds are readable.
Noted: 10,10
